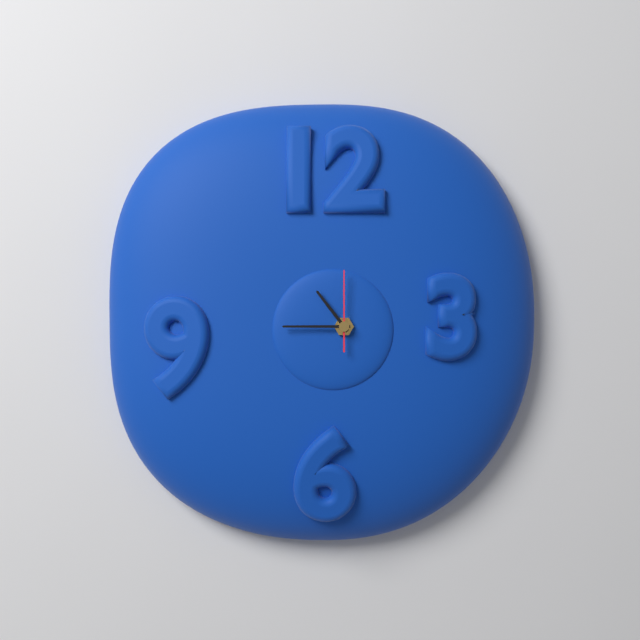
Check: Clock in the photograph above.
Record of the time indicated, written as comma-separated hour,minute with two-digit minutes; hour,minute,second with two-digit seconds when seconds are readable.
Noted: 10,45,00
